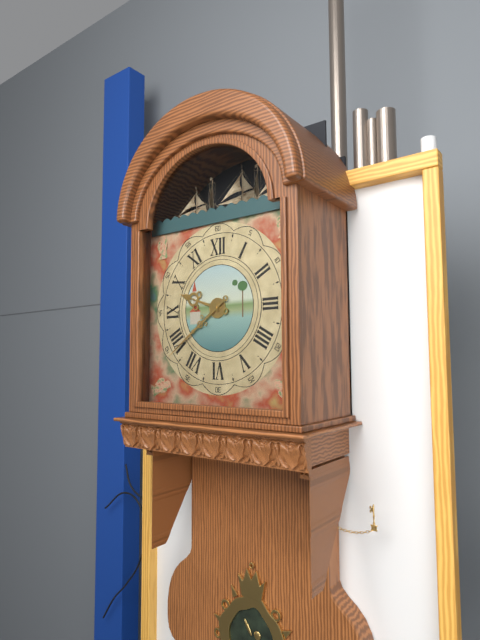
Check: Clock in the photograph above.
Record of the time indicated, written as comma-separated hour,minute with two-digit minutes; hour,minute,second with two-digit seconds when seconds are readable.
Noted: 9,39
